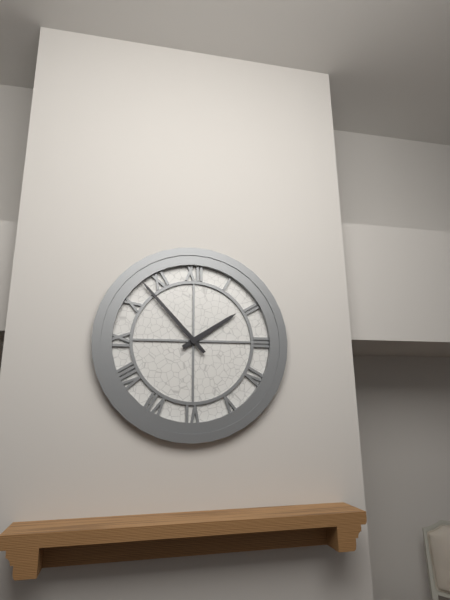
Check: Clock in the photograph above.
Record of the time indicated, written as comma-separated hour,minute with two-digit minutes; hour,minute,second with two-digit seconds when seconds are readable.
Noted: 1,53
